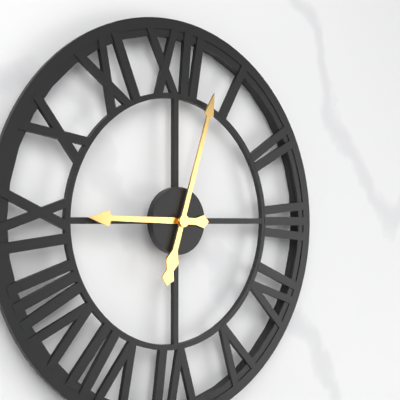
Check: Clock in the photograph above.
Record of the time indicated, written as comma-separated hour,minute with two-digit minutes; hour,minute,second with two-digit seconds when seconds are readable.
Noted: 9,03
